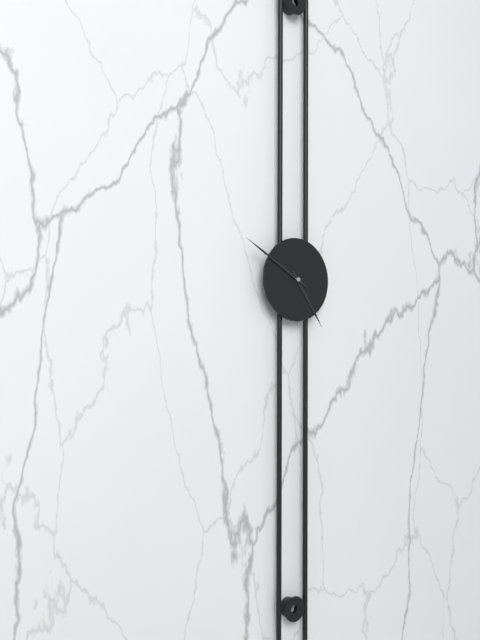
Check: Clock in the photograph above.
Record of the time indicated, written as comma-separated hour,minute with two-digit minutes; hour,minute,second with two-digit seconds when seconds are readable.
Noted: 4,50
